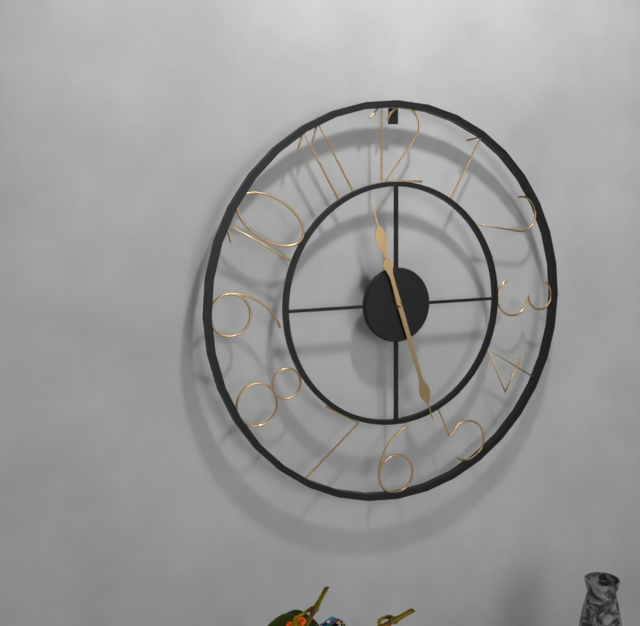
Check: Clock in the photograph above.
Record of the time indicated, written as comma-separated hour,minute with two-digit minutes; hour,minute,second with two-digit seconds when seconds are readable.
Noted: 11,27
